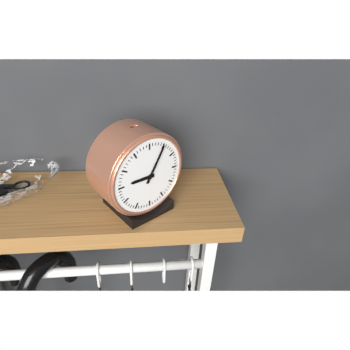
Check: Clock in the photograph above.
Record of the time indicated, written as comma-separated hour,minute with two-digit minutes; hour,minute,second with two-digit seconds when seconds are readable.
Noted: 9,05
